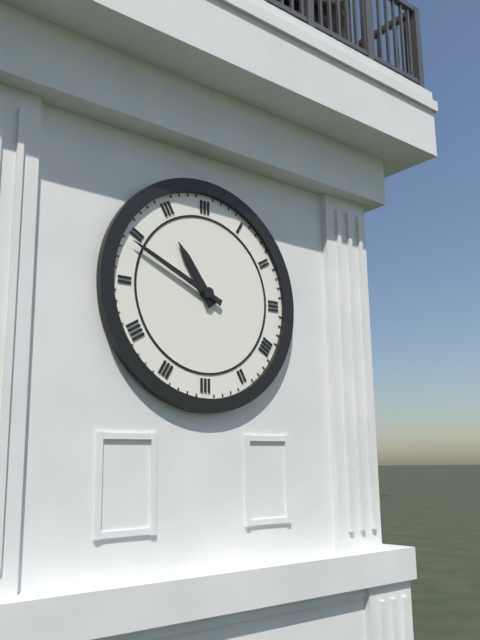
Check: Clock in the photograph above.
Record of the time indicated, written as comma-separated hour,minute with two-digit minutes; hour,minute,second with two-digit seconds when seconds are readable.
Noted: 10,49
